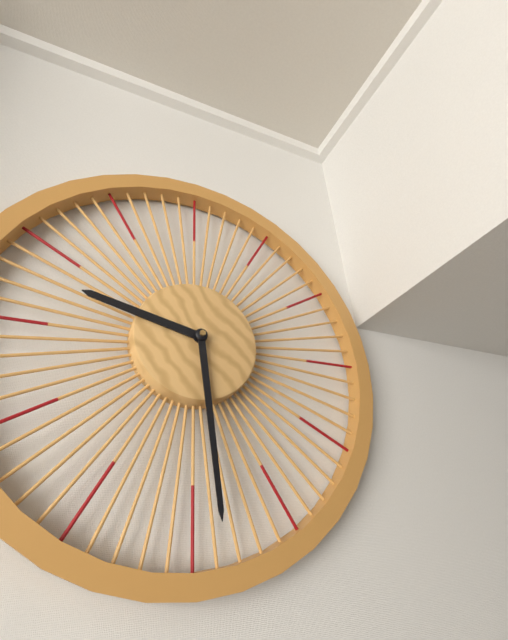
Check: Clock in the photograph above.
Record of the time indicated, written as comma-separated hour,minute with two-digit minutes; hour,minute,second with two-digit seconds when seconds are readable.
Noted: 9,29
